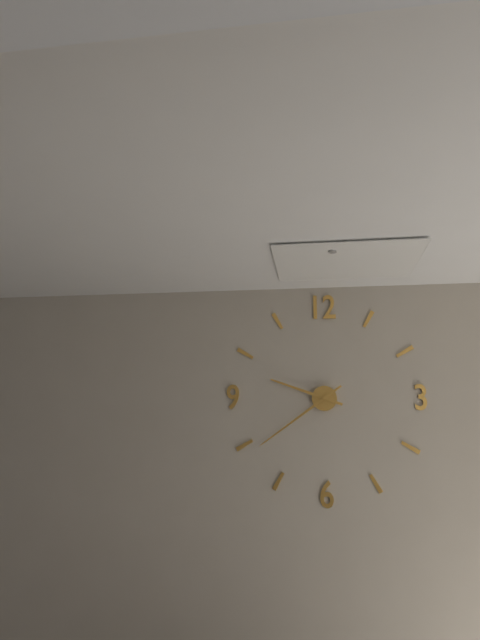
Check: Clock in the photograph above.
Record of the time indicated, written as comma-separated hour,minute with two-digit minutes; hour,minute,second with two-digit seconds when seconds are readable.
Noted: 9,39
